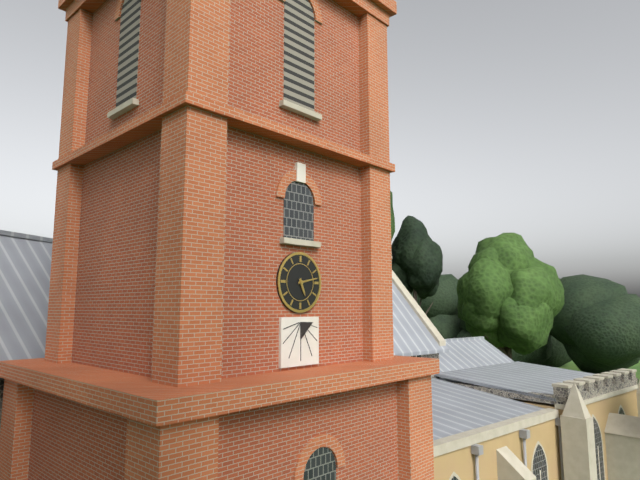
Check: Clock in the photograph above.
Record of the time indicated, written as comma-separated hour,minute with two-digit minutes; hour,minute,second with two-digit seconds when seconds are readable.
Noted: 5,13
